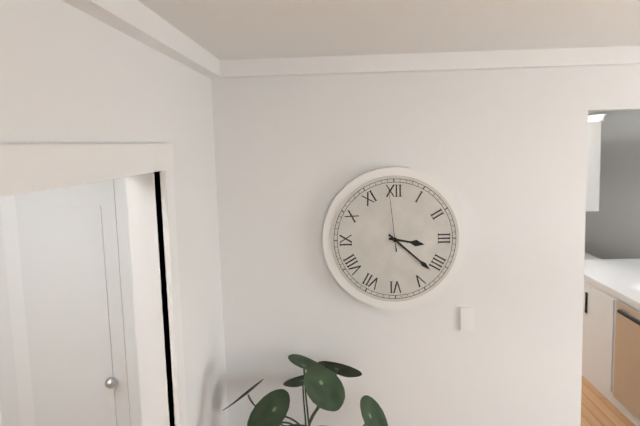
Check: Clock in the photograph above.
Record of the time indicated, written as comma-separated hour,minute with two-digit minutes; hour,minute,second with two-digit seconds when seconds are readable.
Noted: 3,22,59
